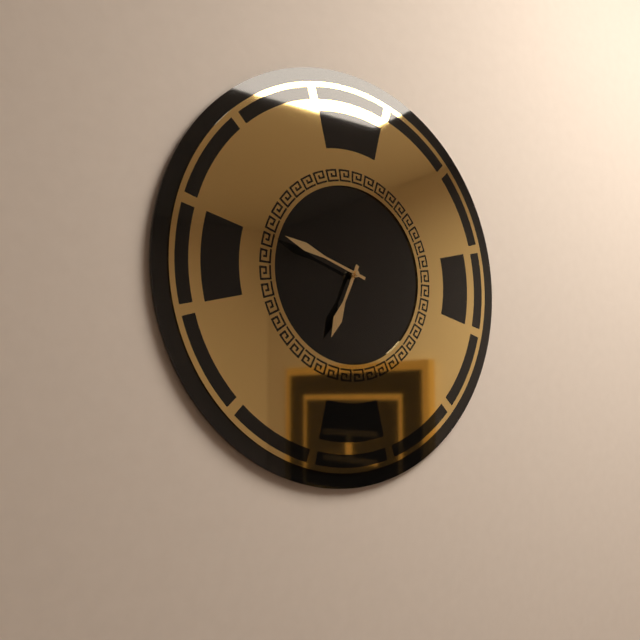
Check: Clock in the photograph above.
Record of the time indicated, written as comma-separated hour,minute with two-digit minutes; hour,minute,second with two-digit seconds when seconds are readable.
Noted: 6,48
